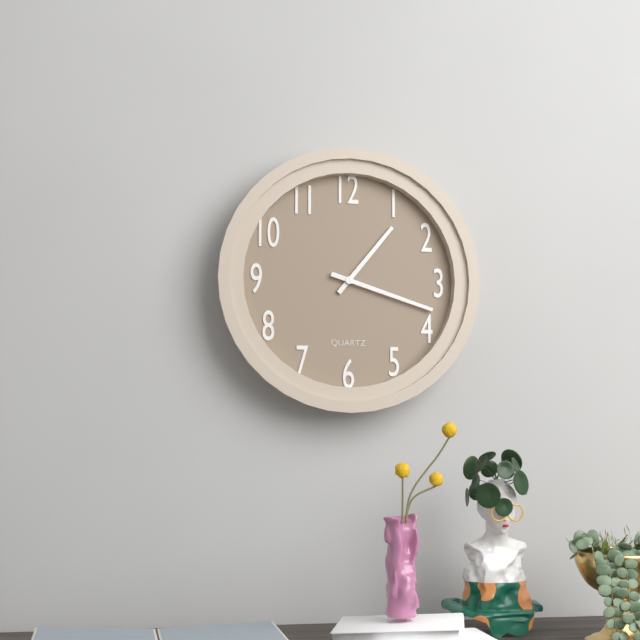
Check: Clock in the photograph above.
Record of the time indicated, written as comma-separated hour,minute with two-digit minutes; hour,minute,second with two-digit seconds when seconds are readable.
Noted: 1,18
